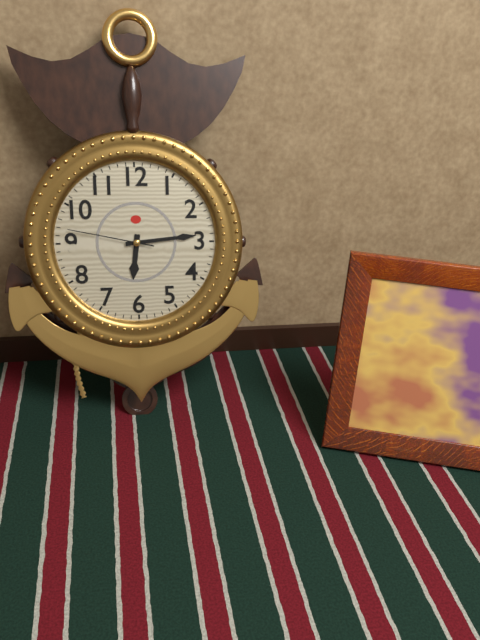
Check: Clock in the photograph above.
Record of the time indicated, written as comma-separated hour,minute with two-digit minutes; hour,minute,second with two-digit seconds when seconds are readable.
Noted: 6,14,47
